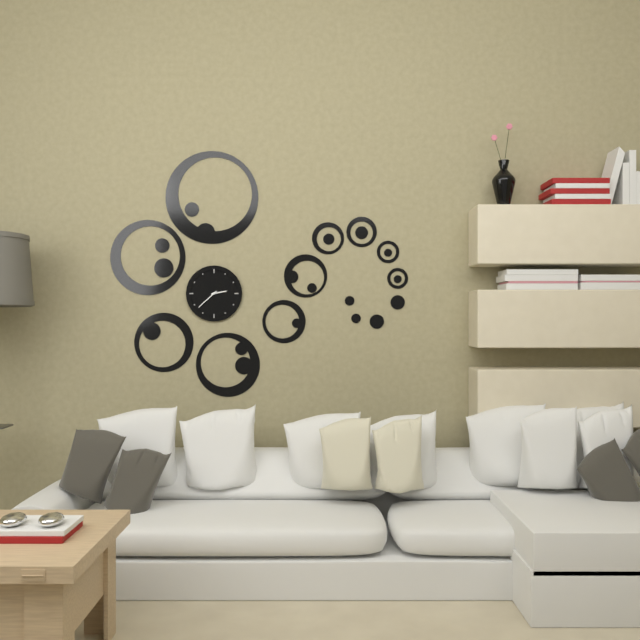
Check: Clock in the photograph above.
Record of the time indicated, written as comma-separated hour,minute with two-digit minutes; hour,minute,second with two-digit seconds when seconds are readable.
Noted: 2,38
